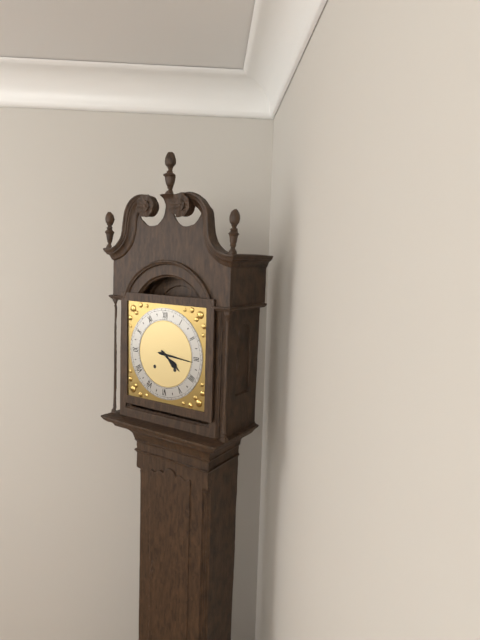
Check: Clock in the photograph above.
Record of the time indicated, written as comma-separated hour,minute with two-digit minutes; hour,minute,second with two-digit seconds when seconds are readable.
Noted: 4,16
